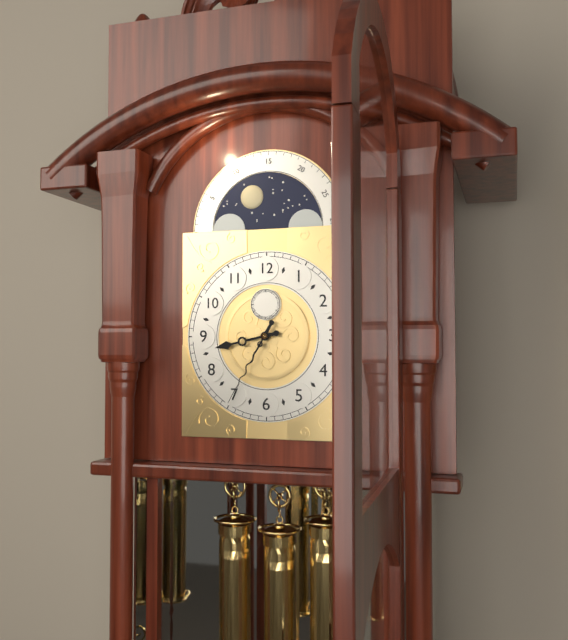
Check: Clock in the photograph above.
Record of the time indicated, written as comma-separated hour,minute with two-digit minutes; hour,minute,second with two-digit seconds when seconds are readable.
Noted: 8,35
